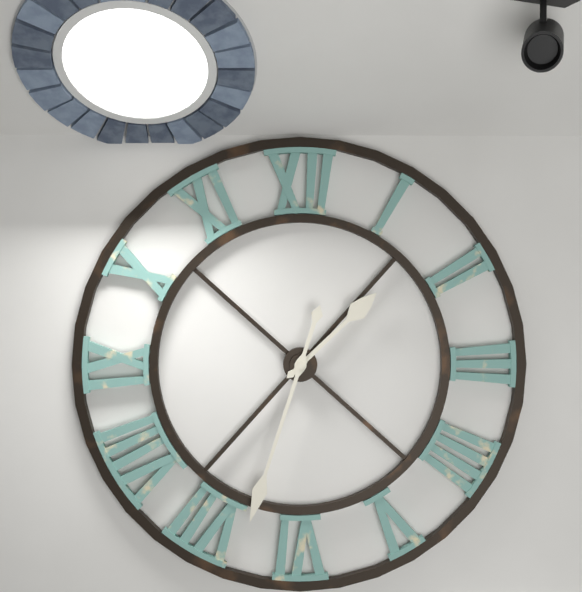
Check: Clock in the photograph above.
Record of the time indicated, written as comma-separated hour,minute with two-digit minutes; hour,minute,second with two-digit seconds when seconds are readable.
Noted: 1,33
